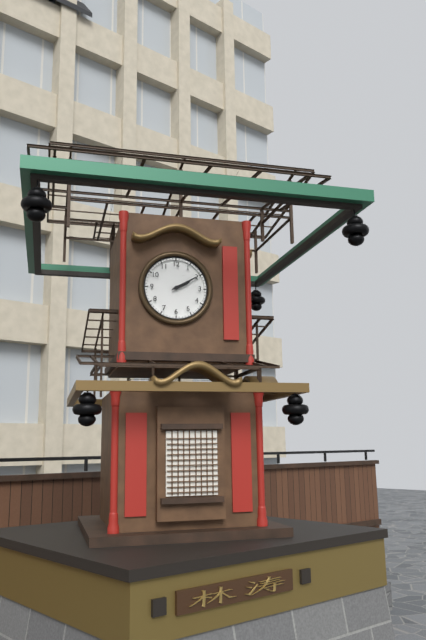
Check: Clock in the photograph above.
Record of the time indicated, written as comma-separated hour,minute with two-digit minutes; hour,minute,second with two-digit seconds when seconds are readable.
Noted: 2,10
